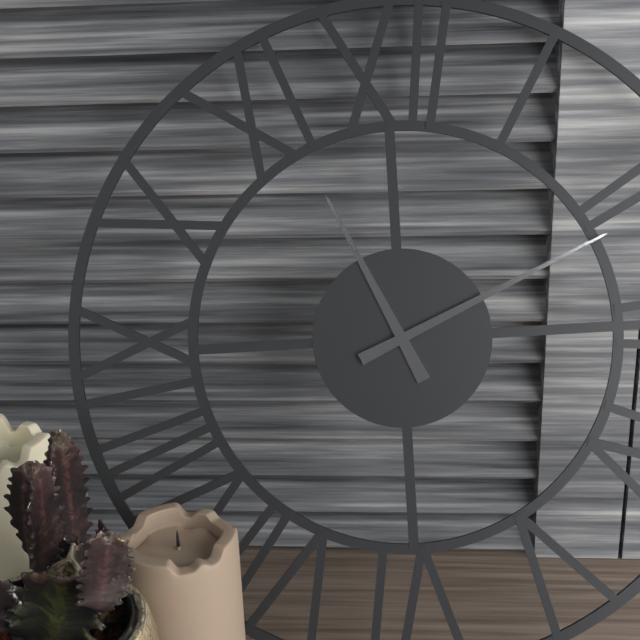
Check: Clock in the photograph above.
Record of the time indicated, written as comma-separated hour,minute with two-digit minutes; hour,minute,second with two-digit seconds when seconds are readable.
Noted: 11,11
